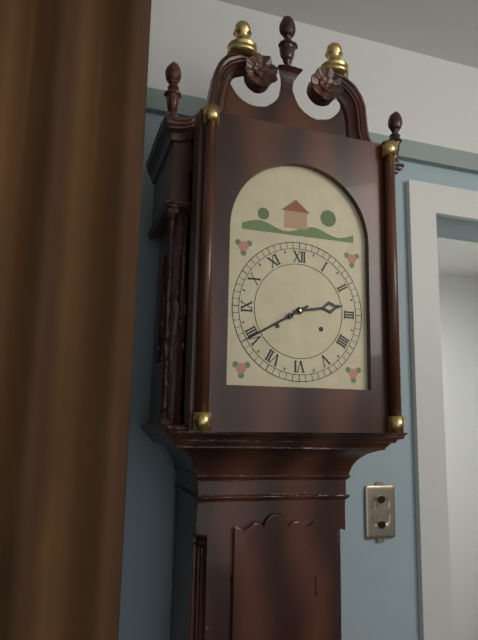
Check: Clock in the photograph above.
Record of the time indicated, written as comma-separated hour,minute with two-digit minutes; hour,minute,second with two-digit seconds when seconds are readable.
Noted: 2,40
